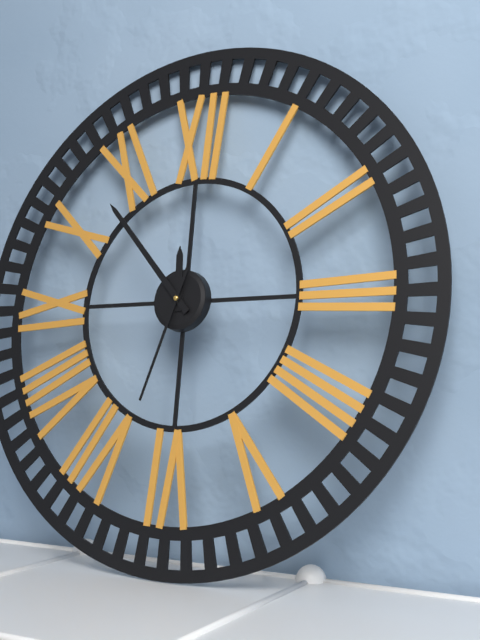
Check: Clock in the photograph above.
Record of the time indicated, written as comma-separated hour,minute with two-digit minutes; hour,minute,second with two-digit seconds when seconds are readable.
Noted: 11,53,33
